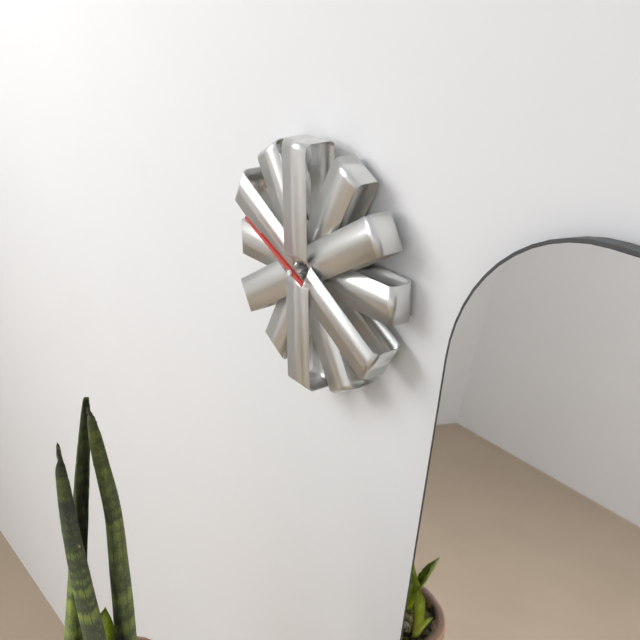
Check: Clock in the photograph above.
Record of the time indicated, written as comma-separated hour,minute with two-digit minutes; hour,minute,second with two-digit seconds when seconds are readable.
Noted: 9,49
